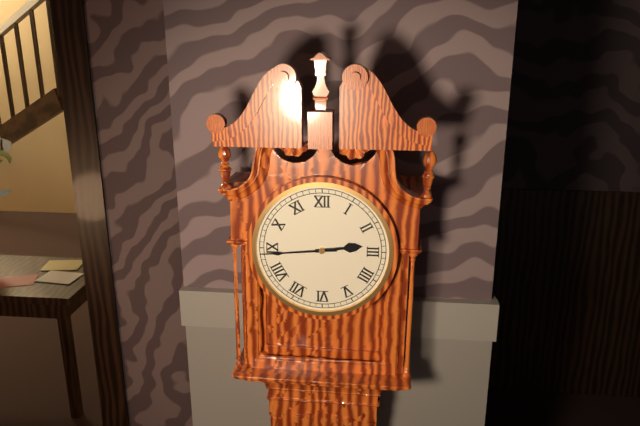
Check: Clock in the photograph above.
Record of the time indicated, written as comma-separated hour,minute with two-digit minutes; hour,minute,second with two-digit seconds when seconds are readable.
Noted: 2,44
